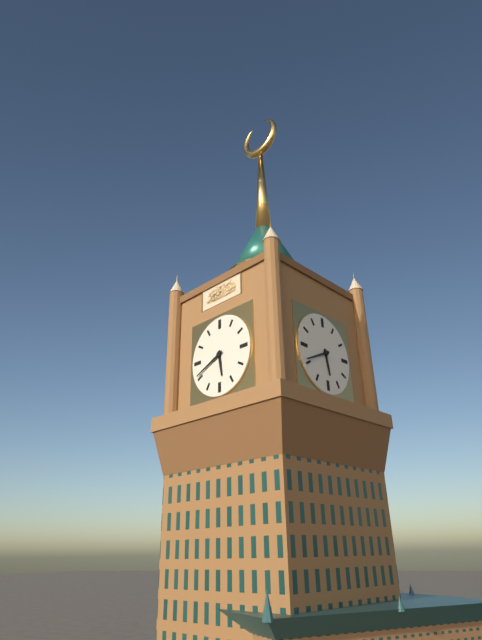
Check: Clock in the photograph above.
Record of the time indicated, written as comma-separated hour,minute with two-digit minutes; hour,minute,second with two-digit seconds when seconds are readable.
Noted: 5,41
